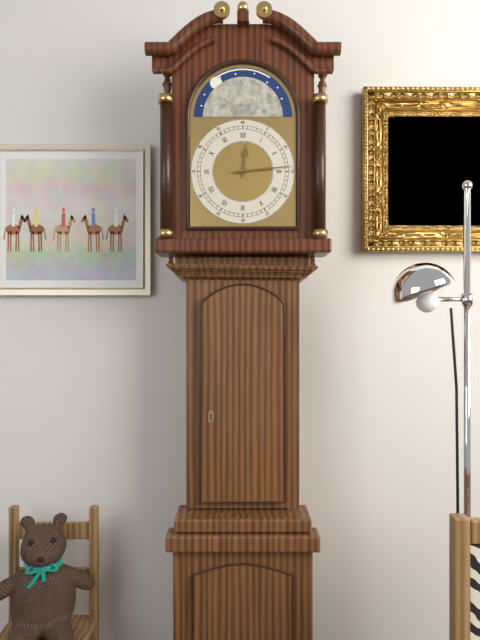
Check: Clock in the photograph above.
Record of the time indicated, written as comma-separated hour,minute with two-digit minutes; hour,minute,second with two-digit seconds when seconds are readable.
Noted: 12,14
